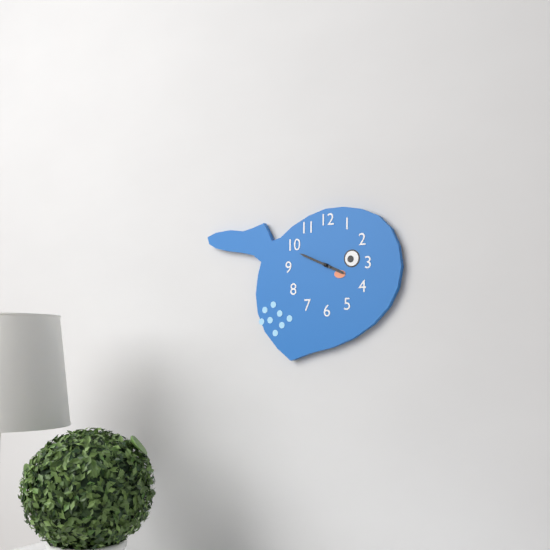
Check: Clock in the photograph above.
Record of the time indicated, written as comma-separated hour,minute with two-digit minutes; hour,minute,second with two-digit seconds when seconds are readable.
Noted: 3,49
